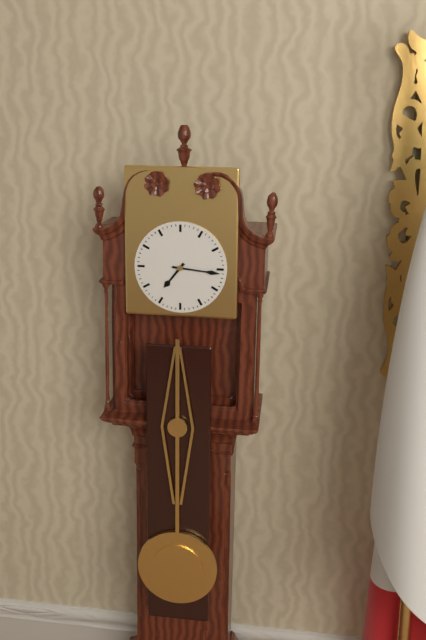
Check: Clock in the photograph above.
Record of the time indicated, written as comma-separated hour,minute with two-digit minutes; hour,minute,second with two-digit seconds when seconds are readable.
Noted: 7,16
